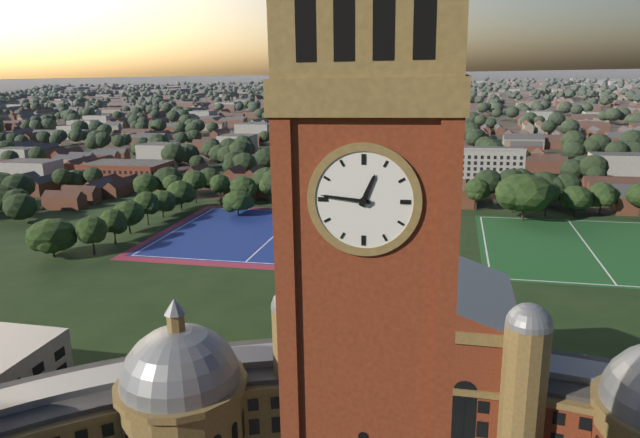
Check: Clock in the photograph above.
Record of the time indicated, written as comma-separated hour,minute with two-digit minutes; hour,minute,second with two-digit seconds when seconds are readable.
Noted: 12,46
